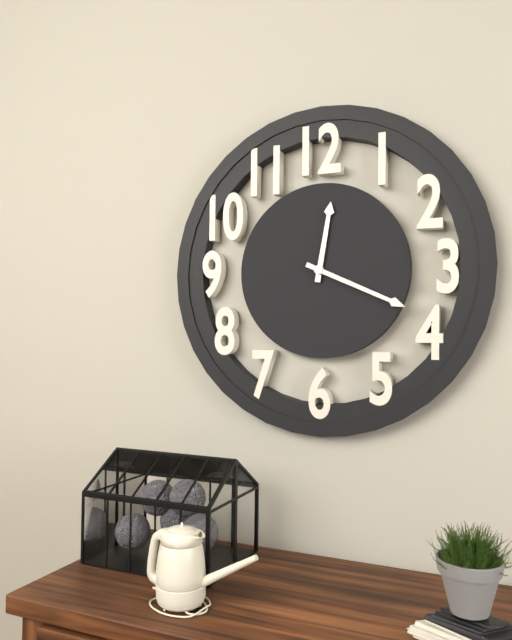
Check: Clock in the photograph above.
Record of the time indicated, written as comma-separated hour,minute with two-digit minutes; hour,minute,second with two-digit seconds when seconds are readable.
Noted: 12,19
